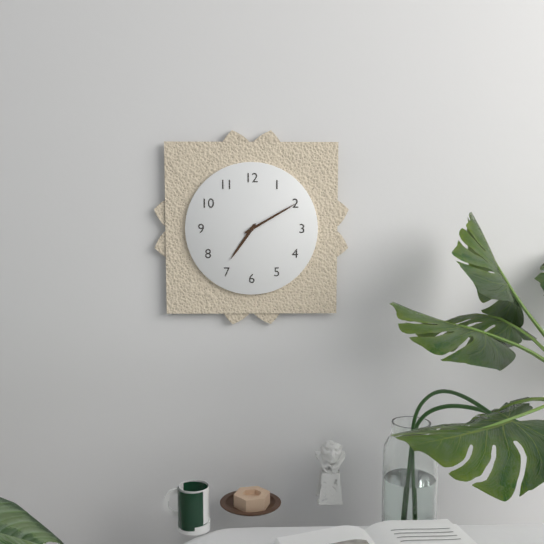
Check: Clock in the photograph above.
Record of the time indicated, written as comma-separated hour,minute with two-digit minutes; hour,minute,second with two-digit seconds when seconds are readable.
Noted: 7,10
